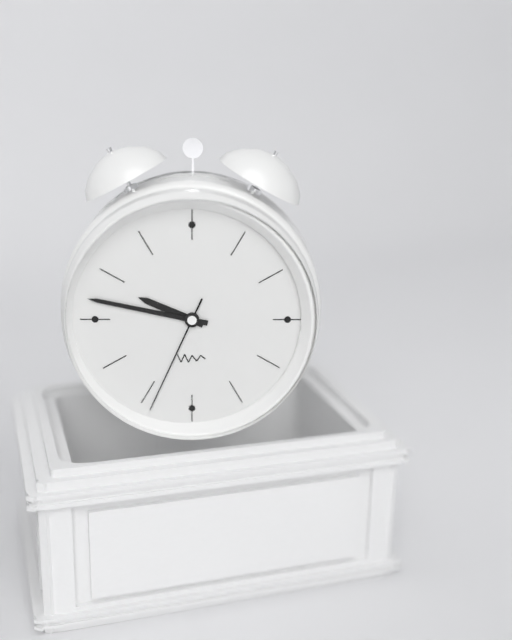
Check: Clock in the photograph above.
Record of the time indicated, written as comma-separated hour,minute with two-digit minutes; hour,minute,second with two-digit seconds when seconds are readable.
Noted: 9,47,34
